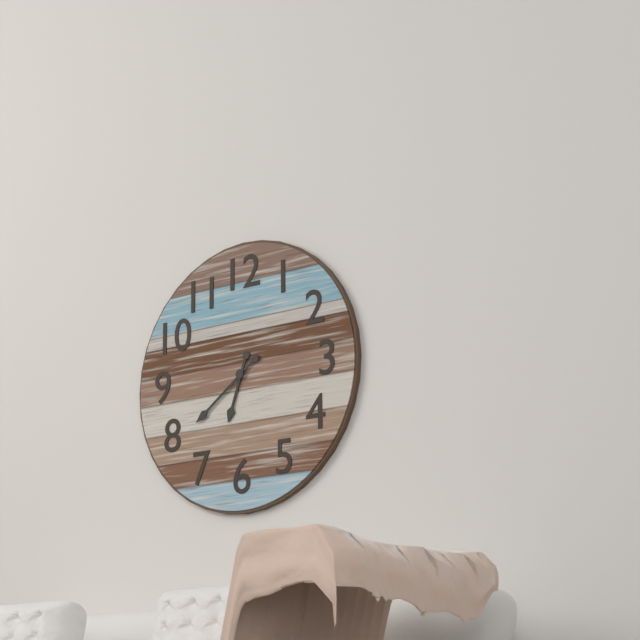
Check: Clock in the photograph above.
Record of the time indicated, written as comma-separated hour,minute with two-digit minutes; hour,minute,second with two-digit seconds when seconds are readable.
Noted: 6,39
